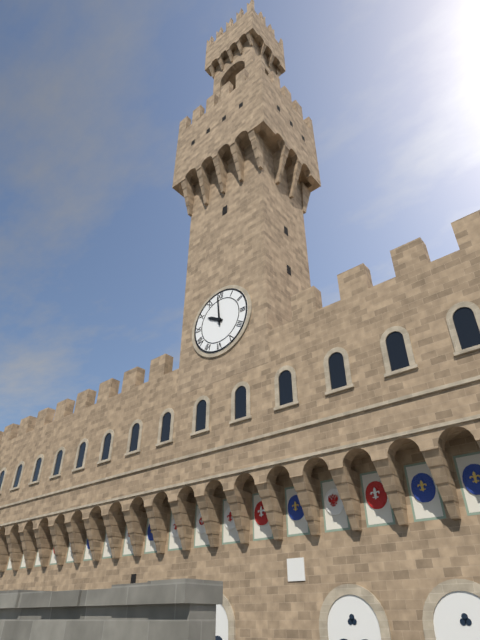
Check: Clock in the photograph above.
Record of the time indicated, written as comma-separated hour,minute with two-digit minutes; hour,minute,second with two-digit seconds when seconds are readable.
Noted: 9,59
